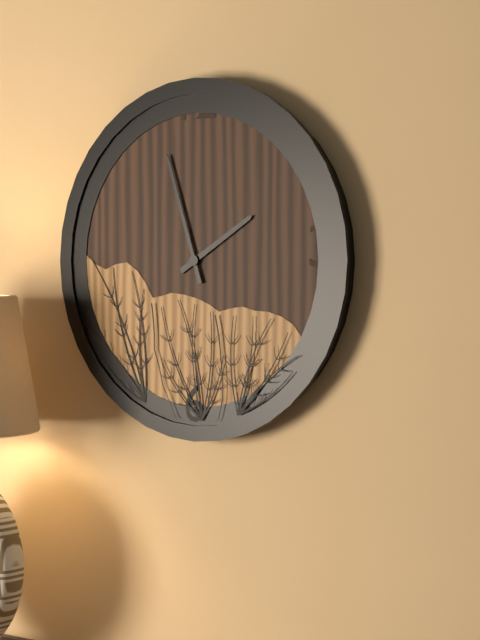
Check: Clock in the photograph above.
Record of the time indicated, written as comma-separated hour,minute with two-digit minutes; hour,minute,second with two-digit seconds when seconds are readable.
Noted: 1,57
